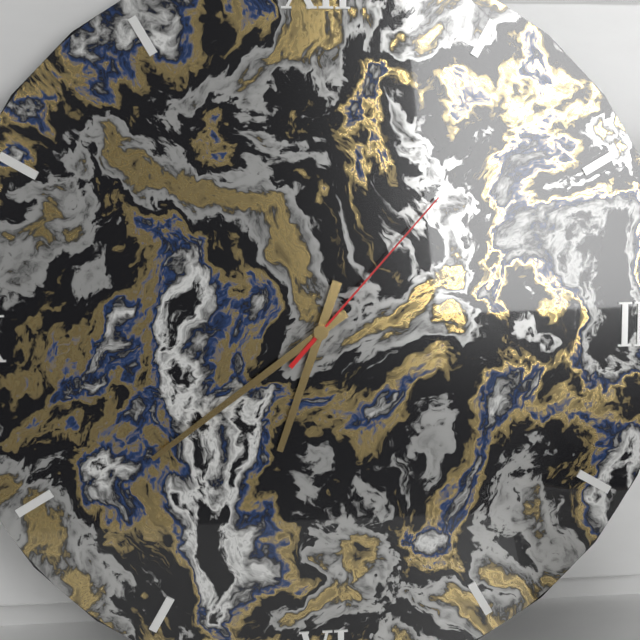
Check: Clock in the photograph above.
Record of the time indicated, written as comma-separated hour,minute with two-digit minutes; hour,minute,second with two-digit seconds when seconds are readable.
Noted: 6,39,07
